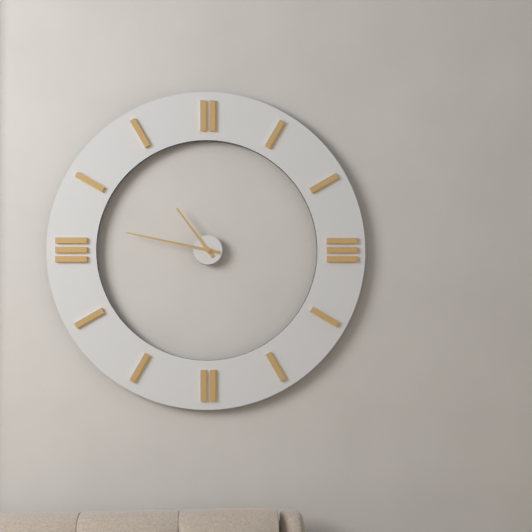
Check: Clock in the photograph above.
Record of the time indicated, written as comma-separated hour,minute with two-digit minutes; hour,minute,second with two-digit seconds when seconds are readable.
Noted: 10,47
